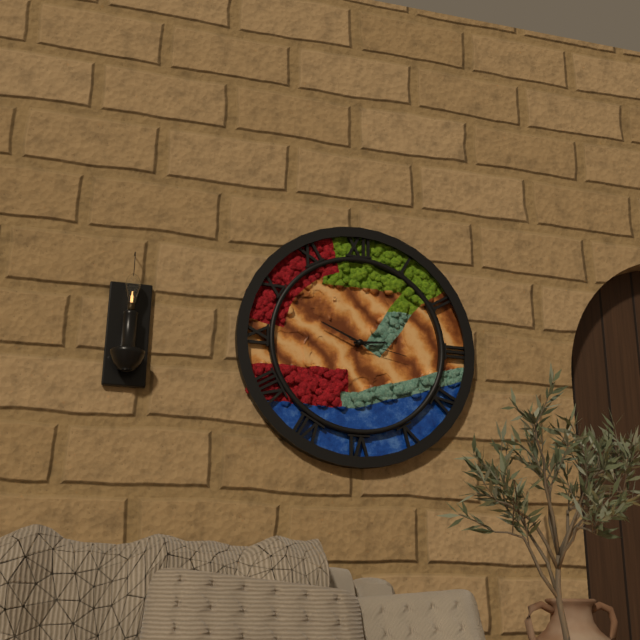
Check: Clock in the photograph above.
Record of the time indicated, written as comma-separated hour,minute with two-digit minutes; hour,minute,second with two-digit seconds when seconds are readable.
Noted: 2,49,17
